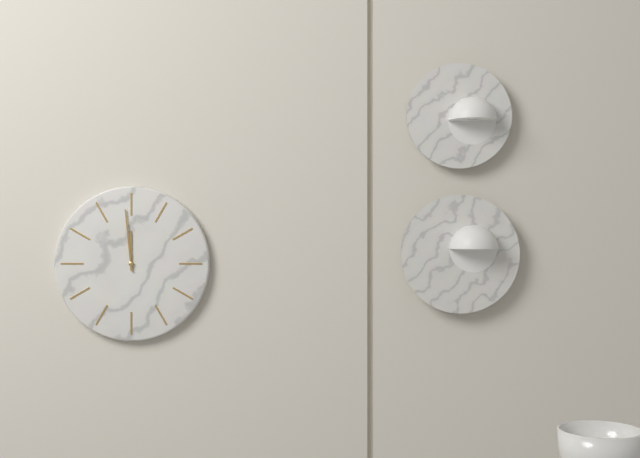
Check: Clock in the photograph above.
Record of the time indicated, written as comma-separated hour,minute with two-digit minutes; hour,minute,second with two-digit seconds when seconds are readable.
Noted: 11,59
